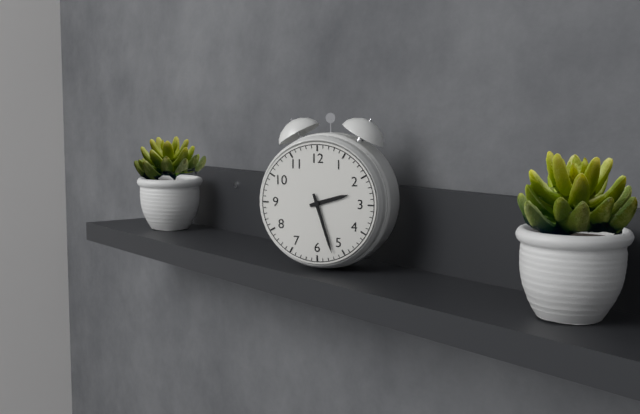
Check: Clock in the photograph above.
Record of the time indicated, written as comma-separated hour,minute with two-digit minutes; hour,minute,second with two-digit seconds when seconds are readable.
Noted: 2,27
